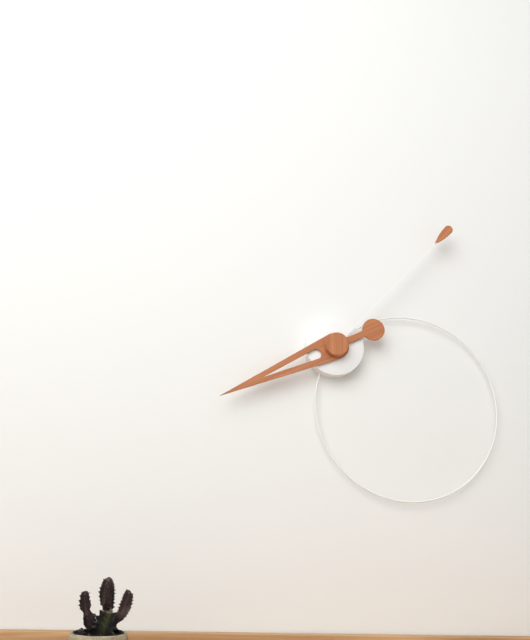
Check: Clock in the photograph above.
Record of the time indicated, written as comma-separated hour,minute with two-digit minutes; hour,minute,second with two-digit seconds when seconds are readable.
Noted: 8,07
